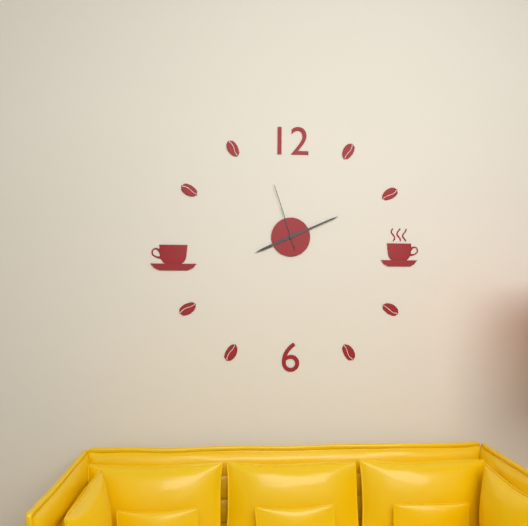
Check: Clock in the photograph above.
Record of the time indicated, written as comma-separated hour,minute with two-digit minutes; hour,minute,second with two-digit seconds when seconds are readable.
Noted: 8,11,57
